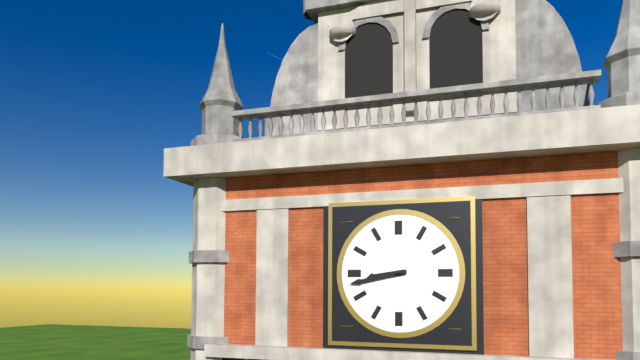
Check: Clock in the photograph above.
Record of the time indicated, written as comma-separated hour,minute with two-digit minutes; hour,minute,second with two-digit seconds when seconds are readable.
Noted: 8,43
